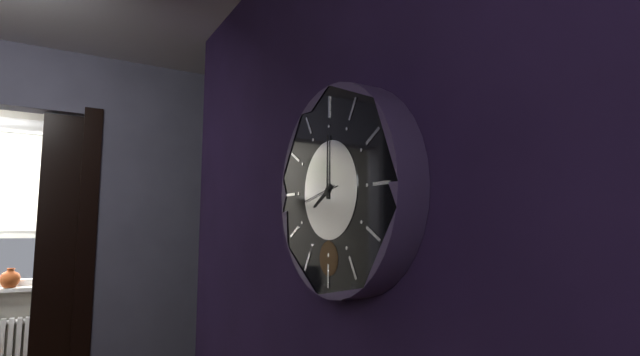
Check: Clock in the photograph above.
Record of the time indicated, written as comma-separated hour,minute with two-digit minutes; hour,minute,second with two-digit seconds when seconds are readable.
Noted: 8,00,43
